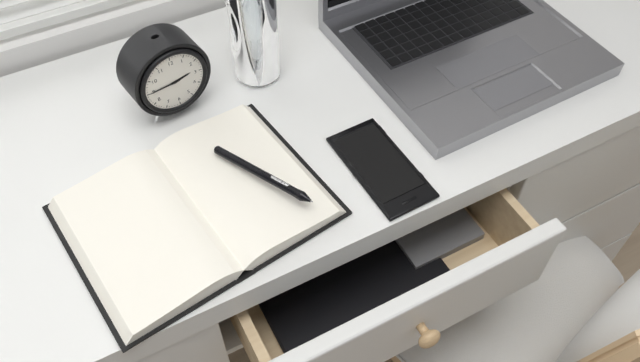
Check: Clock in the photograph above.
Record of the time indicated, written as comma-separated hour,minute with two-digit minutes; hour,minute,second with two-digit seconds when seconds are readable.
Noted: 2,45
